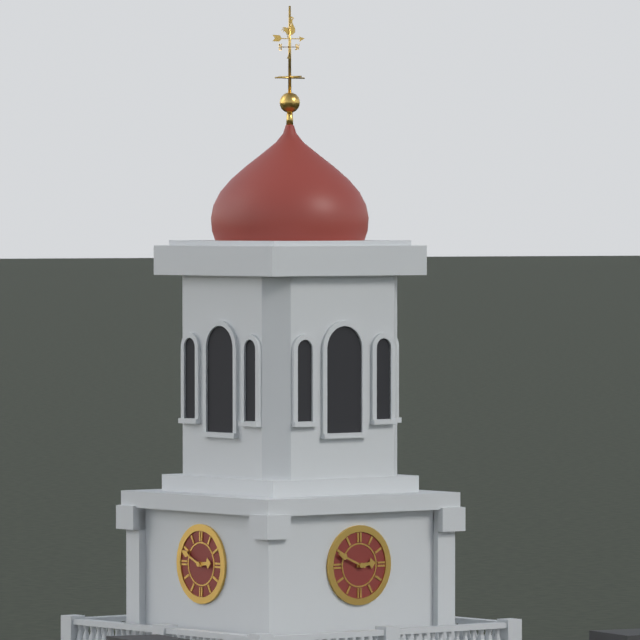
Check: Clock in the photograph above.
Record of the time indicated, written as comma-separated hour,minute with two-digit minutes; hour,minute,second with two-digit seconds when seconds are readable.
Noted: 2,49
